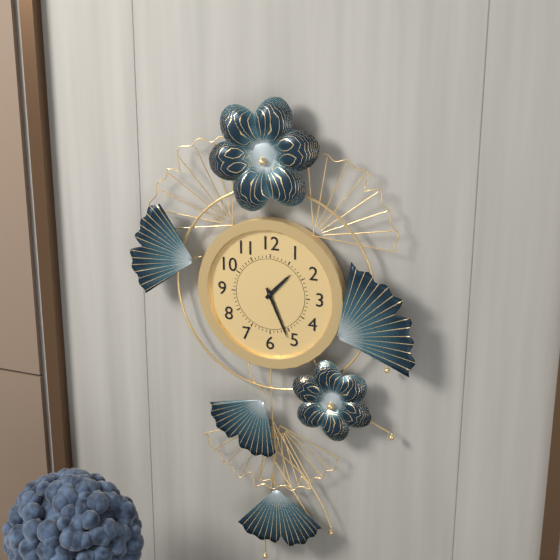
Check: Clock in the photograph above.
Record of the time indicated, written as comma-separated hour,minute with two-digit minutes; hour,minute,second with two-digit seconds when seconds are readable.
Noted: 1,26
